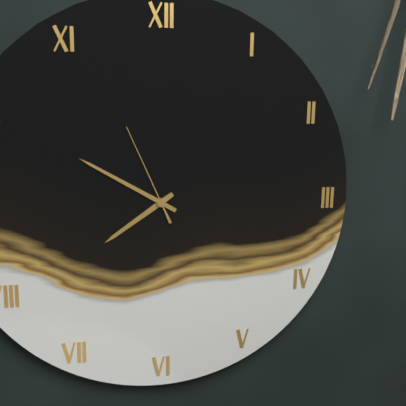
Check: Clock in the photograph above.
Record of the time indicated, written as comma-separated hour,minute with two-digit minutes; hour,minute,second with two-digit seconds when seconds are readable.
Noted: 7,50,56
